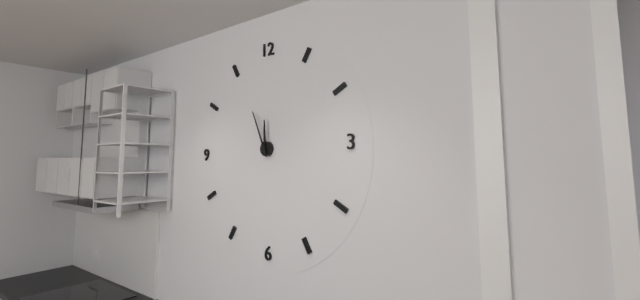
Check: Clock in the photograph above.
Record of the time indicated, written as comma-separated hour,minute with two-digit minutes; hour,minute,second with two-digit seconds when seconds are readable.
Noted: 11,56
